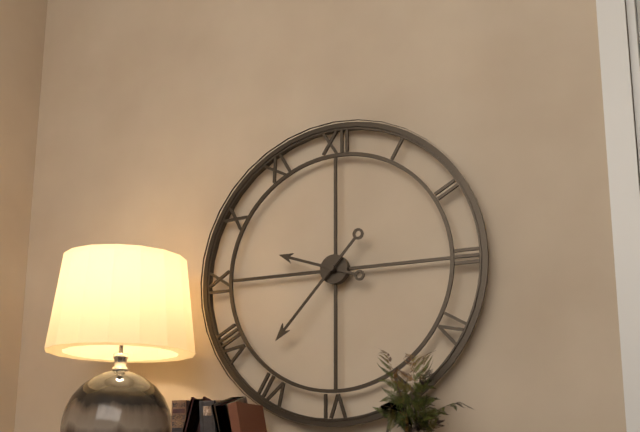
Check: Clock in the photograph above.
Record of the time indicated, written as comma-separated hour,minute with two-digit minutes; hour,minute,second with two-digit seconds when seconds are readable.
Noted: 9,37
